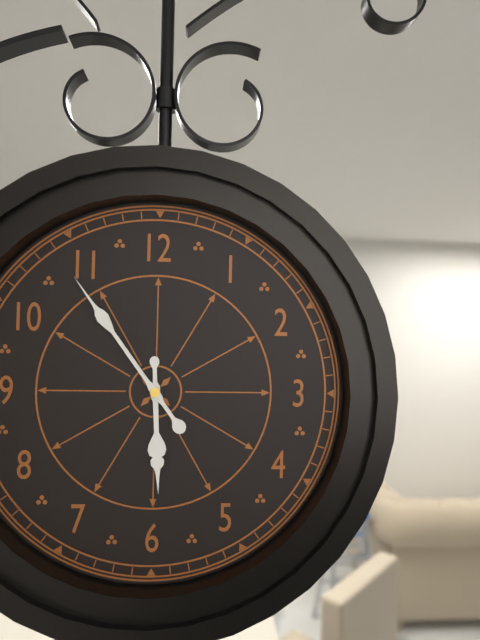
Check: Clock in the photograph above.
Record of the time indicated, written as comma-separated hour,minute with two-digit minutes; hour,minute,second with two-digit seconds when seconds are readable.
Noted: 5,54
